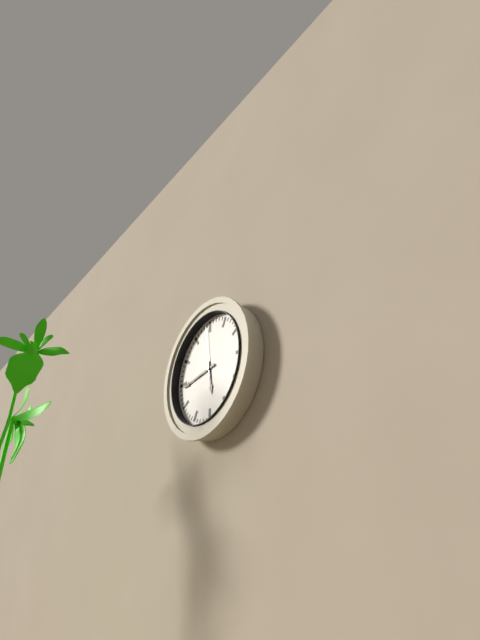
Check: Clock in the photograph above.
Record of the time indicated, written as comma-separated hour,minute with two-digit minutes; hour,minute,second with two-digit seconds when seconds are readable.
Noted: 5,44,59
